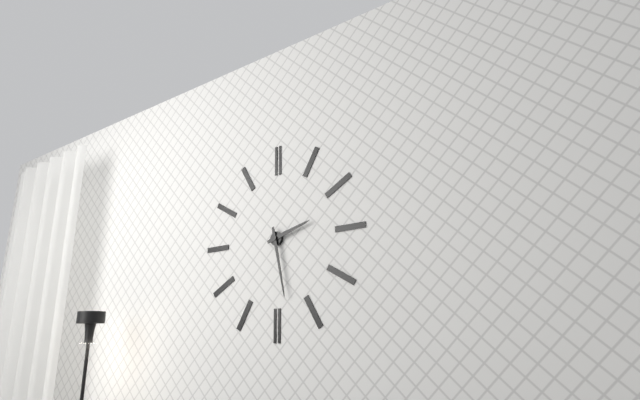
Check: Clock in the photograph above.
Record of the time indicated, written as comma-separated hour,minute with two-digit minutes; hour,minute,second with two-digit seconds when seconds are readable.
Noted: 2,28
